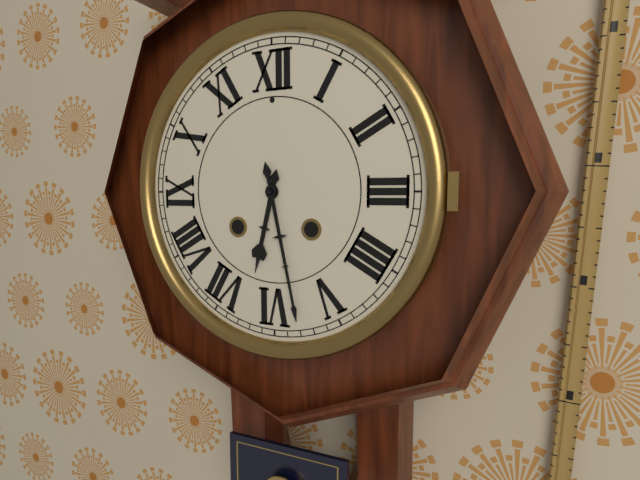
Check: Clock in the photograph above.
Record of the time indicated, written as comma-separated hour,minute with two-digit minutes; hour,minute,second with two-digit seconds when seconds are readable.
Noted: 6,28
